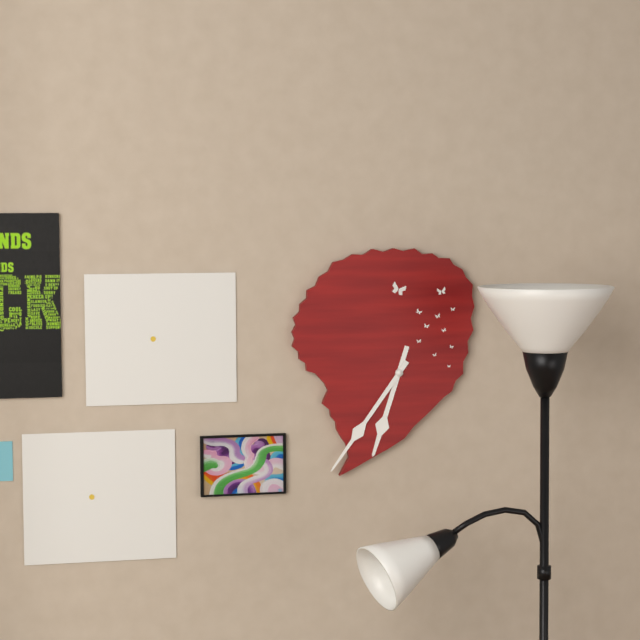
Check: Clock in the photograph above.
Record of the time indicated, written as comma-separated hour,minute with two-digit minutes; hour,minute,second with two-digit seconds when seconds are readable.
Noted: 6,36
